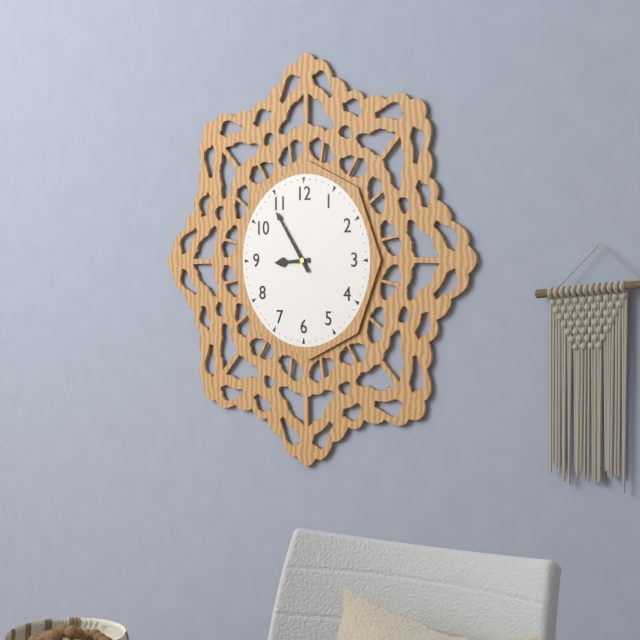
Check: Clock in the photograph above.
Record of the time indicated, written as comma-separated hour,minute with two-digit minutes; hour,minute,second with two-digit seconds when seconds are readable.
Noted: 8,54
